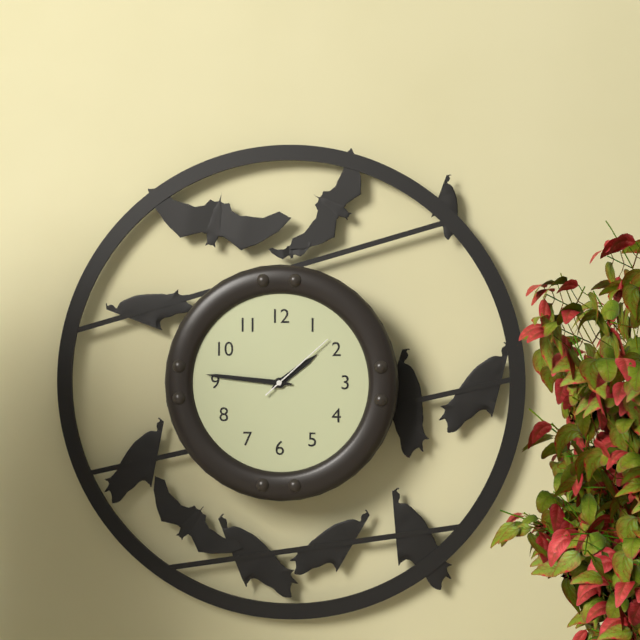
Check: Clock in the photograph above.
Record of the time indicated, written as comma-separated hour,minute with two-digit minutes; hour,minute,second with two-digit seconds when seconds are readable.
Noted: 1,46,08
